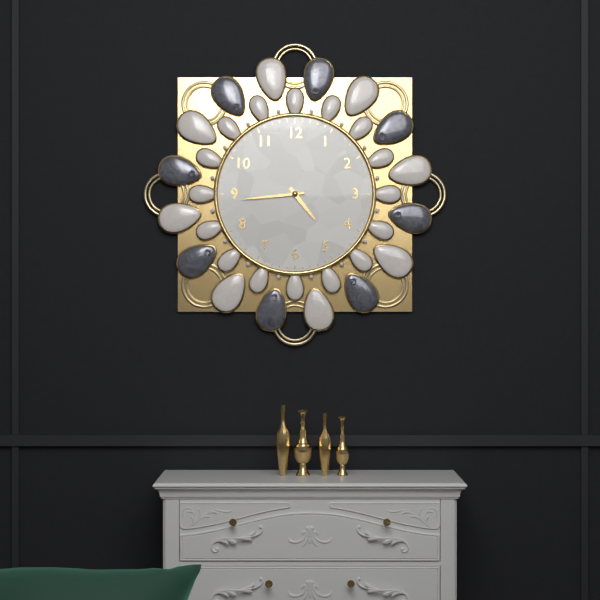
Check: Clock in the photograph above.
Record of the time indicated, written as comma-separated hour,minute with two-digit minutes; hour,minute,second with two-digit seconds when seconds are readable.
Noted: 4,44
